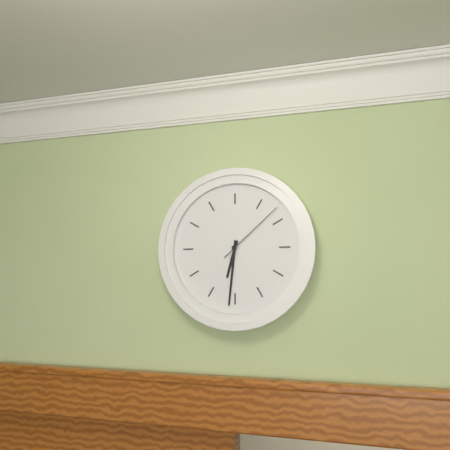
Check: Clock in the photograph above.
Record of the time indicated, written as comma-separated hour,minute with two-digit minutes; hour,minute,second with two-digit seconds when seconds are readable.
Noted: 6,31,08
